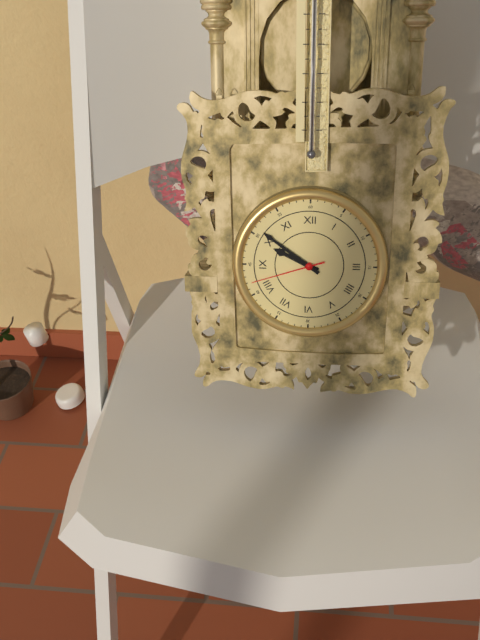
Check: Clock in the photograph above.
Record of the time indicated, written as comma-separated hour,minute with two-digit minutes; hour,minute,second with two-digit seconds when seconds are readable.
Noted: 9,51,42
